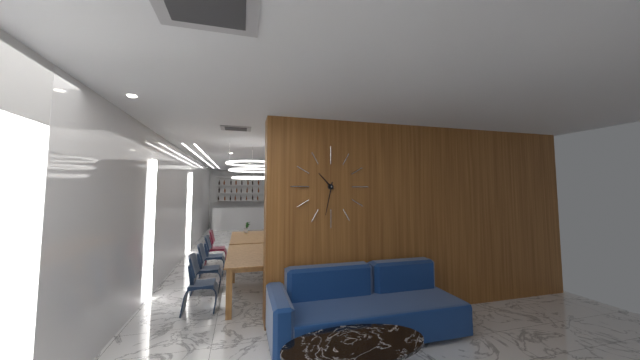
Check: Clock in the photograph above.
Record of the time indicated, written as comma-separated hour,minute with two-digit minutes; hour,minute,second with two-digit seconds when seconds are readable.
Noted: 10,32
